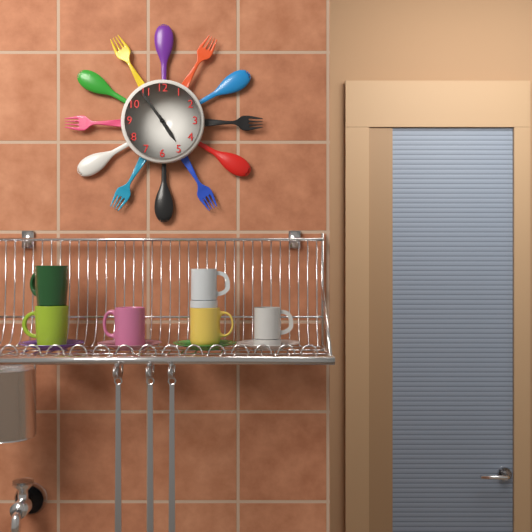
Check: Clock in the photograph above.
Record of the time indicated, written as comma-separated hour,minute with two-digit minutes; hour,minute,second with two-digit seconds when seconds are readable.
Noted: 4,54
